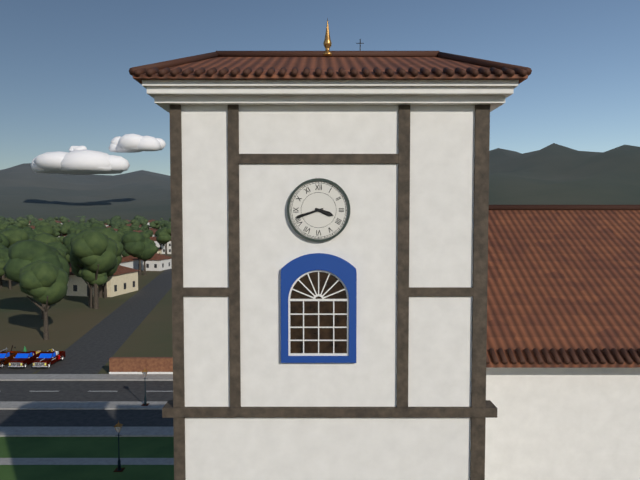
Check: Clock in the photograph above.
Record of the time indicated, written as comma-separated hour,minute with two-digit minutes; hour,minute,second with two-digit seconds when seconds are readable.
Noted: 3,42
